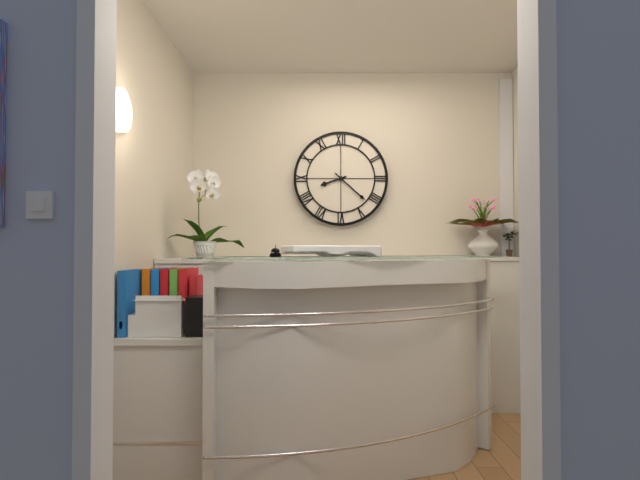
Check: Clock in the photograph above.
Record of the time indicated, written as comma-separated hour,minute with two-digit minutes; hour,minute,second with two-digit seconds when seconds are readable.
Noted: 8,22
